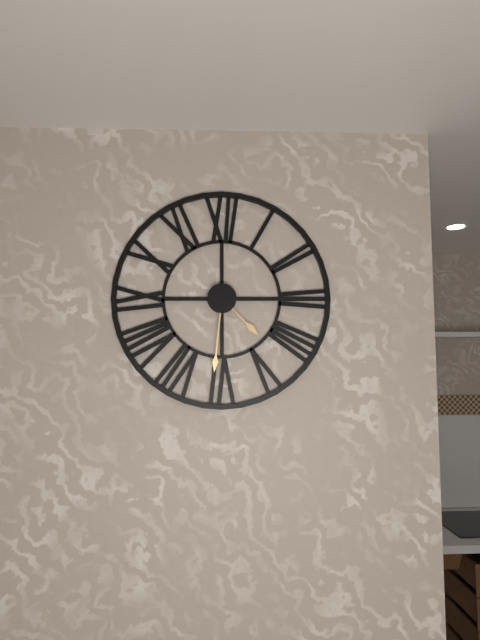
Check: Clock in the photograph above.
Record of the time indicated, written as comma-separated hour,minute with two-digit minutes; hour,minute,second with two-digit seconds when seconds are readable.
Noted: 4,31
